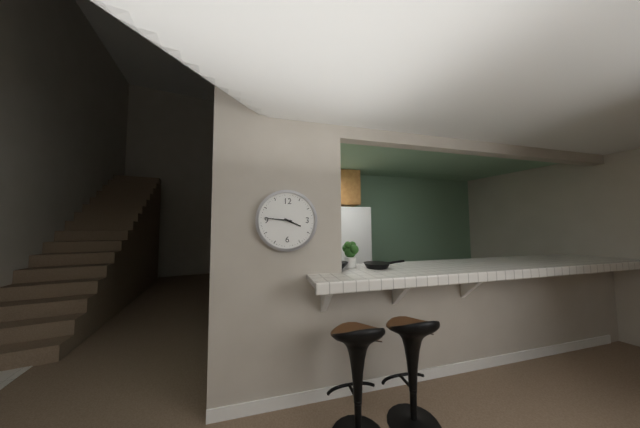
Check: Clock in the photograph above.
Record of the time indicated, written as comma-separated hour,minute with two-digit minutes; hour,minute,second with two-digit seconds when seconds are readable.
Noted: 3,46
